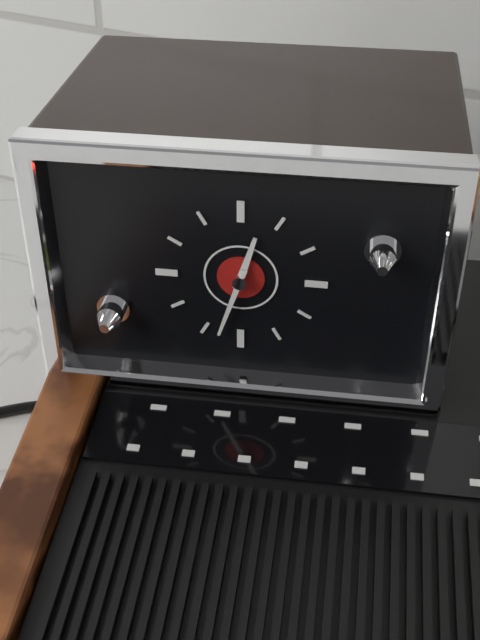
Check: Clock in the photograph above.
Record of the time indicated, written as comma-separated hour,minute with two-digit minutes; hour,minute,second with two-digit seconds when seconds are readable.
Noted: 12,33
